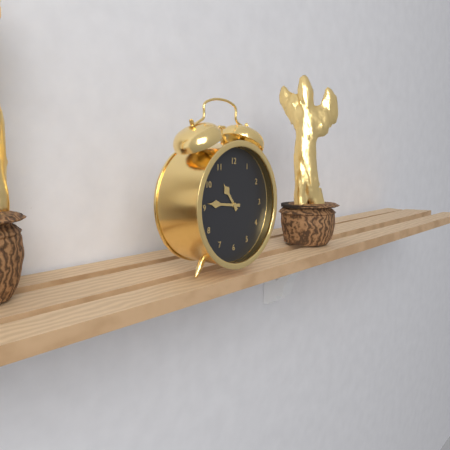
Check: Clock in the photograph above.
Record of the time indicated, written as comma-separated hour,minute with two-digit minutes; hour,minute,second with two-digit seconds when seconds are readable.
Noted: 10,46
